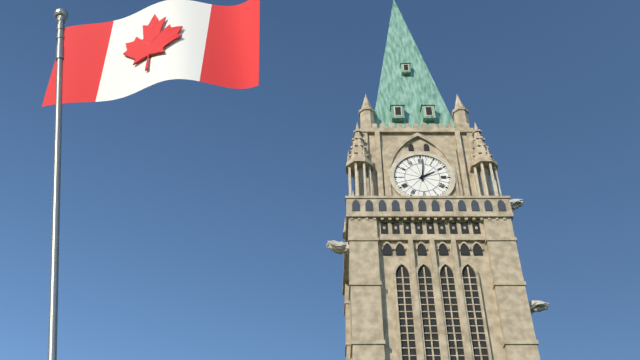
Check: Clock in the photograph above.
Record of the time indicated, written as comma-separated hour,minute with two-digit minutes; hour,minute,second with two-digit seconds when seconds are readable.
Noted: 2,01
